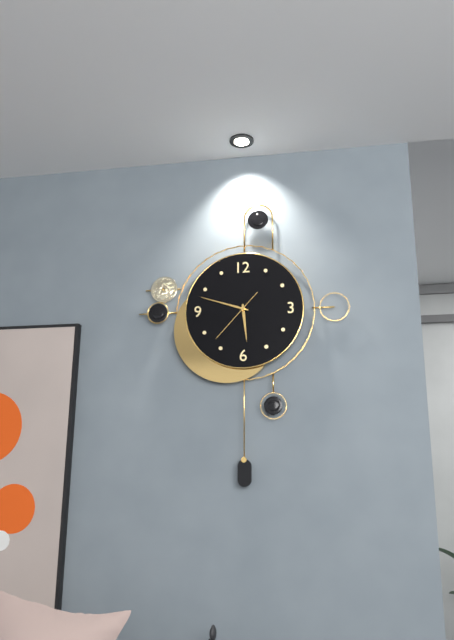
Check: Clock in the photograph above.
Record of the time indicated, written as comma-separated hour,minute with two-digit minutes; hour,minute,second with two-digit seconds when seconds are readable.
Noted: 5,48,37
